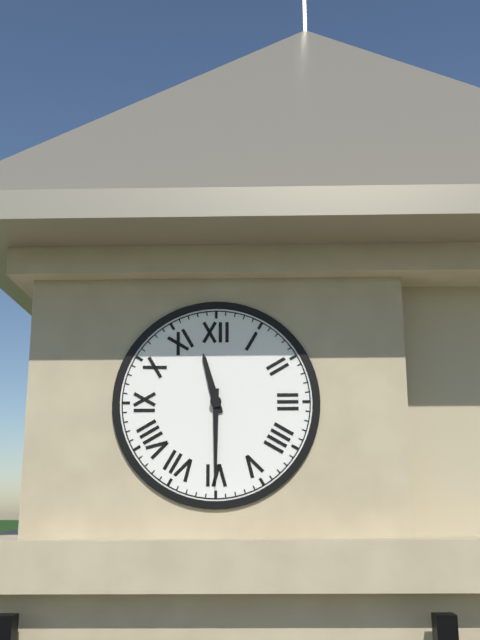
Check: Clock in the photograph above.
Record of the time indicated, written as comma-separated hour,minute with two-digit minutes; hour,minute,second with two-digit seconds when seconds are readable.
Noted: 11,30
